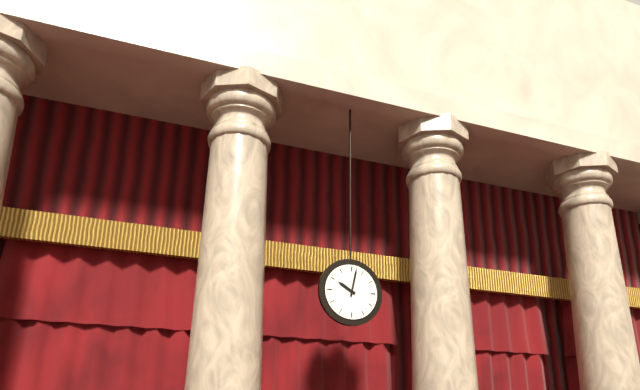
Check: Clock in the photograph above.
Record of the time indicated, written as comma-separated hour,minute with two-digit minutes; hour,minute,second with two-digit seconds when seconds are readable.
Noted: 10,02
